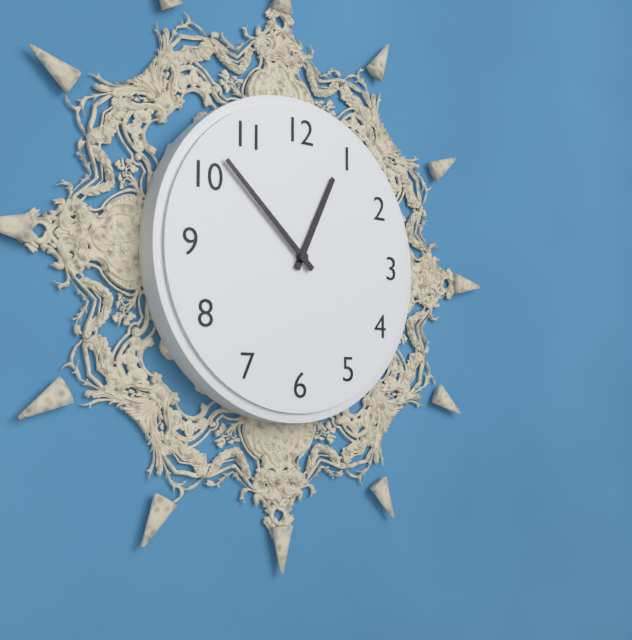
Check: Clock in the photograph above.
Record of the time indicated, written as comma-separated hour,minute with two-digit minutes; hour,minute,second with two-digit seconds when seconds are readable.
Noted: 12,52
